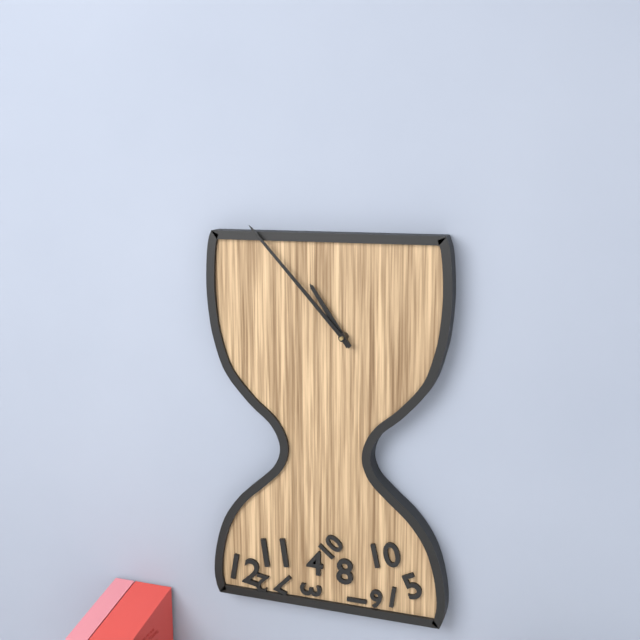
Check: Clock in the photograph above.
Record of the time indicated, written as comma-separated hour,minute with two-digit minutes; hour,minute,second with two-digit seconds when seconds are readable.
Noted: 10,53
